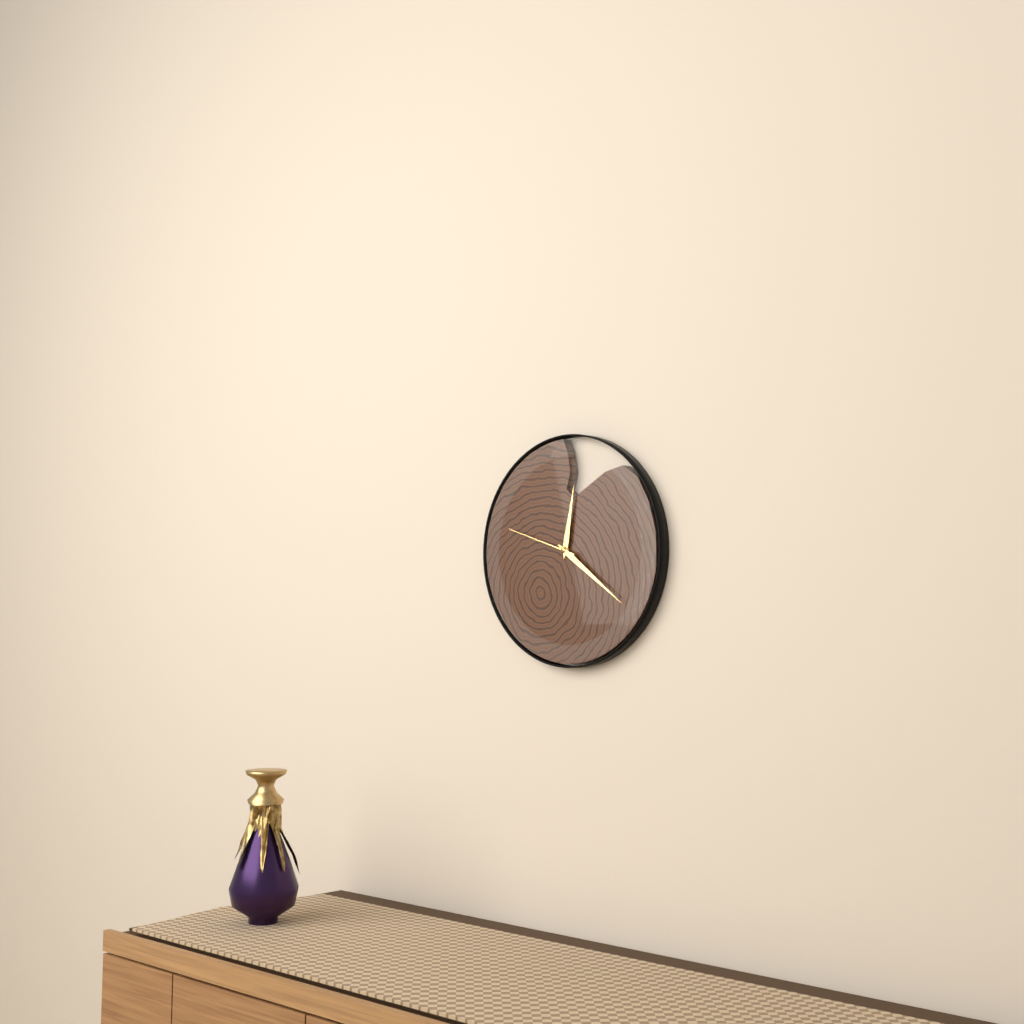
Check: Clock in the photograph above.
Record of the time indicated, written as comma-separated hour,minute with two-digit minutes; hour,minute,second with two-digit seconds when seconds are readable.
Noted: 12,21,48
